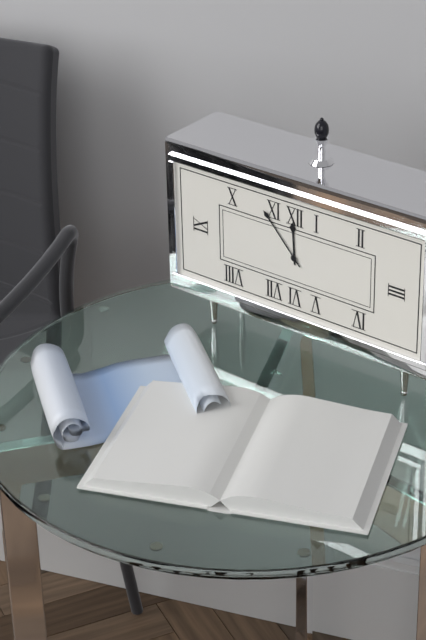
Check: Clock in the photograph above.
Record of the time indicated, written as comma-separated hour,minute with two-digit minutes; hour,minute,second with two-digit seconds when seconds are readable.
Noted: 11,53
